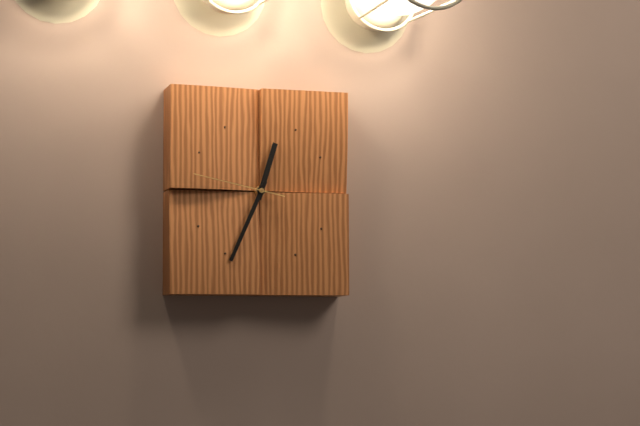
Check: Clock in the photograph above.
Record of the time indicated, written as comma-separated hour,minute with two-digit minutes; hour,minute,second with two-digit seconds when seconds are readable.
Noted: 12,34,47
